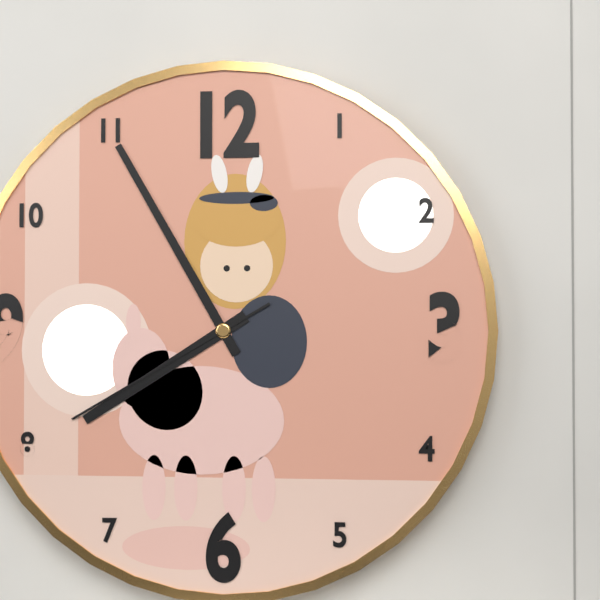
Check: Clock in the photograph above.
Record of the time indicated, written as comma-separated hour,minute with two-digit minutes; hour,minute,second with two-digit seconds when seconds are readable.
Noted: 7,55,40
